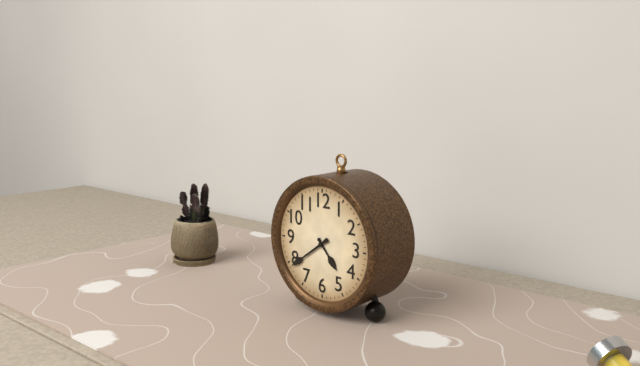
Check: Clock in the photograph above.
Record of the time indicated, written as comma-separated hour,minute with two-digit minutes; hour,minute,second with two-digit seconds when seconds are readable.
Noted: 4,39
